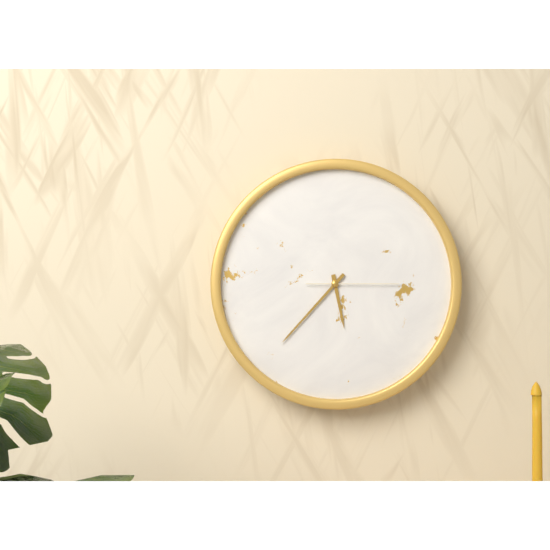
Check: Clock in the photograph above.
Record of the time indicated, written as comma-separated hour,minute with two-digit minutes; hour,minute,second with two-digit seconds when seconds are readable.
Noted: 5,37,15
